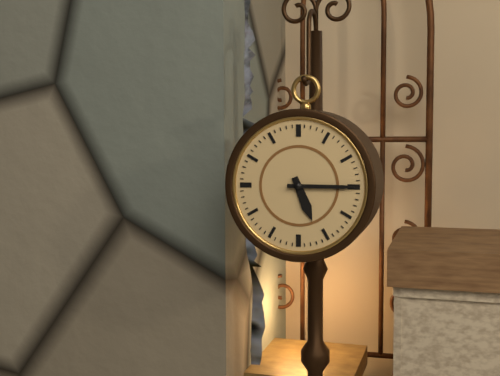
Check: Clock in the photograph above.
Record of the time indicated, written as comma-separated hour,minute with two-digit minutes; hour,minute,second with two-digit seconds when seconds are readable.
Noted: 5,15
